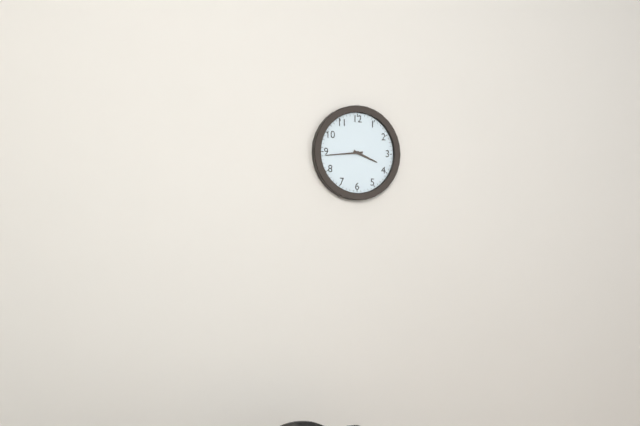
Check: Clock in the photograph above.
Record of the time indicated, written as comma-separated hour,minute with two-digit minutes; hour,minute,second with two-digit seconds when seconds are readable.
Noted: 3,44
